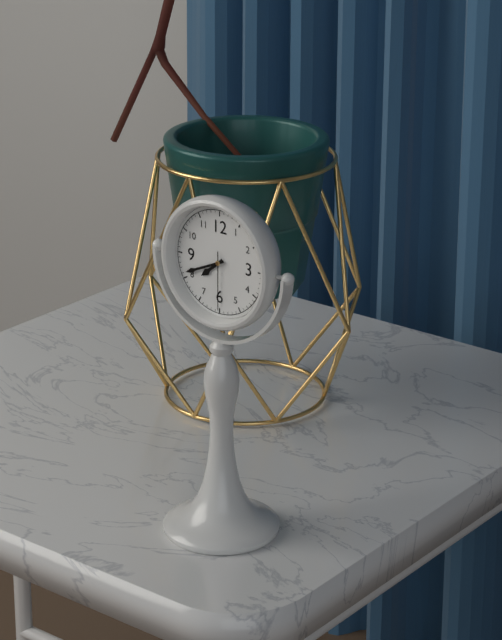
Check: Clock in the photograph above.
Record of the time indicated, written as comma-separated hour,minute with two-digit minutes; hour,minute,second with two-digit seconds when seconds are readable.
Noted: 7,41,30
